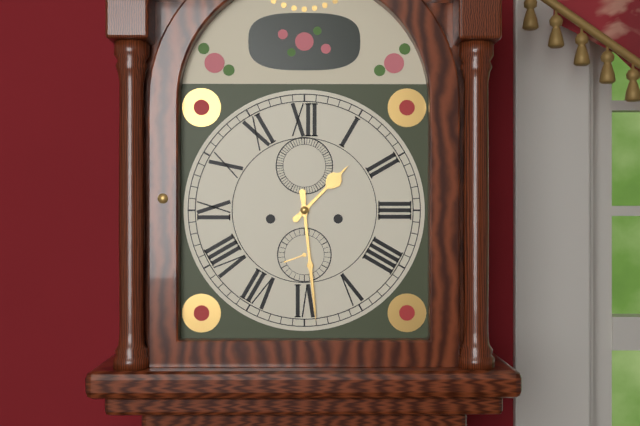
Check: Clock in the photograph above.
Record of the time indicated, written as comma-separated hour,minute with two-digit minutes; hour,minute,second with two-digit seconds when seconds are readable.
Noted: 1,29
